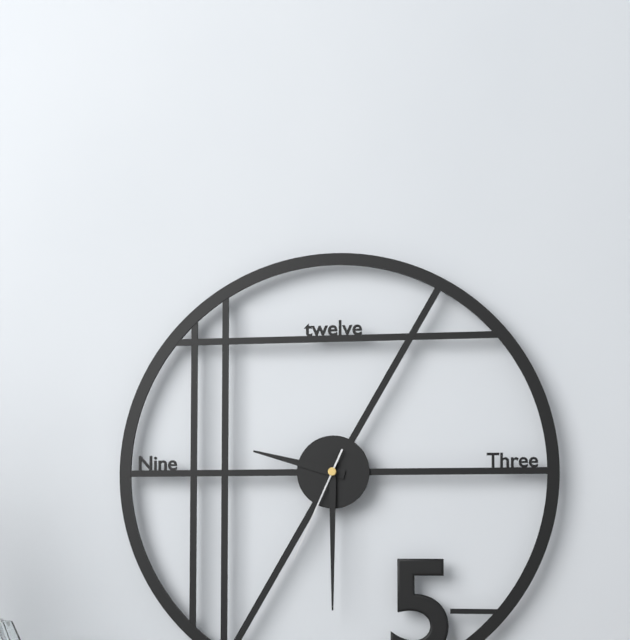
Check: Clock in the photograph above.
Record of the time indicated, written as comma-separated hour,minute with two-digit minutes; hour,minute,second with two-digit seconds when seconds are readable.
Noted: 9,30,34
